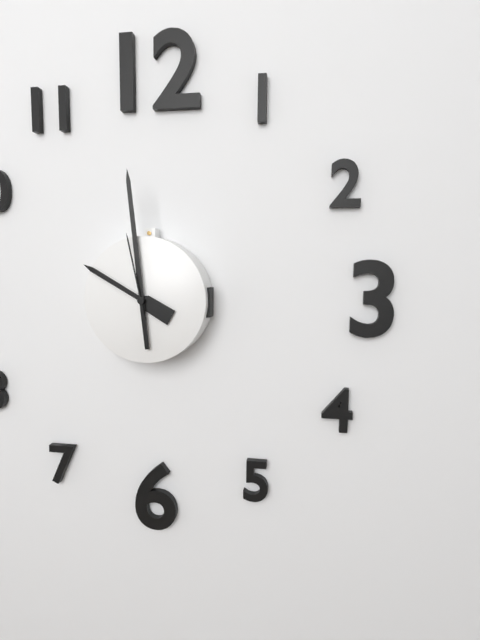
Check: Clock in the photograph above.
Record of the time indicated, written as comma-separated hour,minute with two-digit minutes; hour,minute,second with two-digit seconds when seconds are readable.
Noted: 9,59,58
